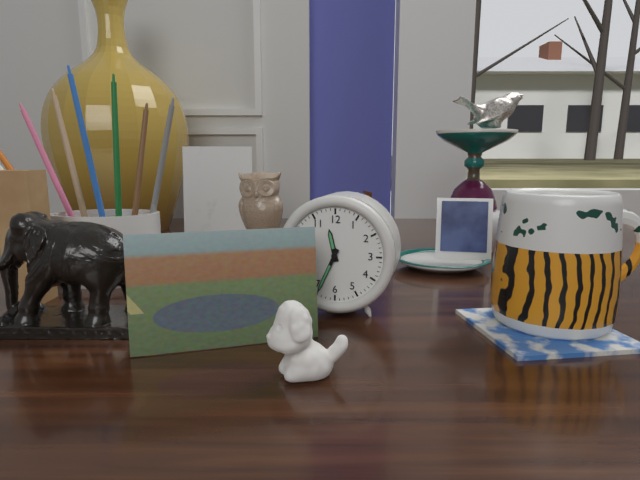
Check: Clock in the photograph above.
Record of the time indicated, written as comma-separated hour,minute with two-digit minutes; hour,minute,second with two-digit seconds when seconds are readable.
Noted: 11,34
